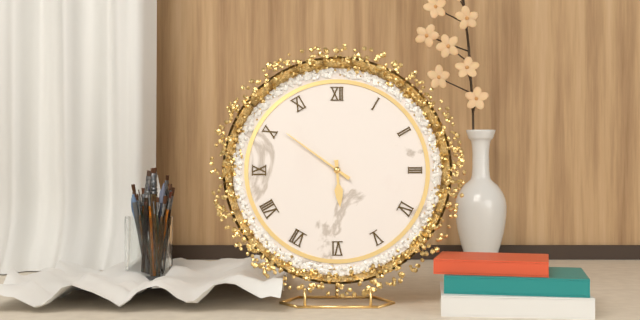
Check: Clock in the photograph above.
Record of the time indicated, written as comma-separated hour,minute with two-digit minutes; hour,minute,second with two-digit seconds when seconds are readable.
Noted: 5,51
